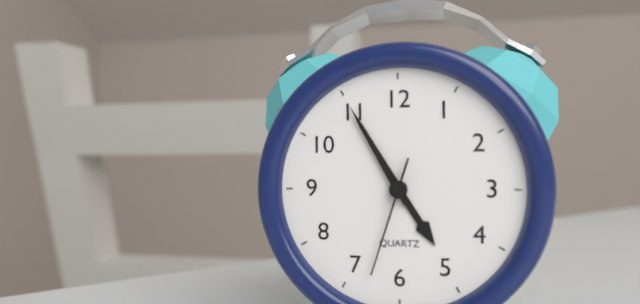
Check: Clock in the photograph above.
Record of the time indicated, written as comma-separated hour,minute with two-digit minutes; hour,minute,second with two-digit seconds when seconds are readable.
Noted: 4,55,33
